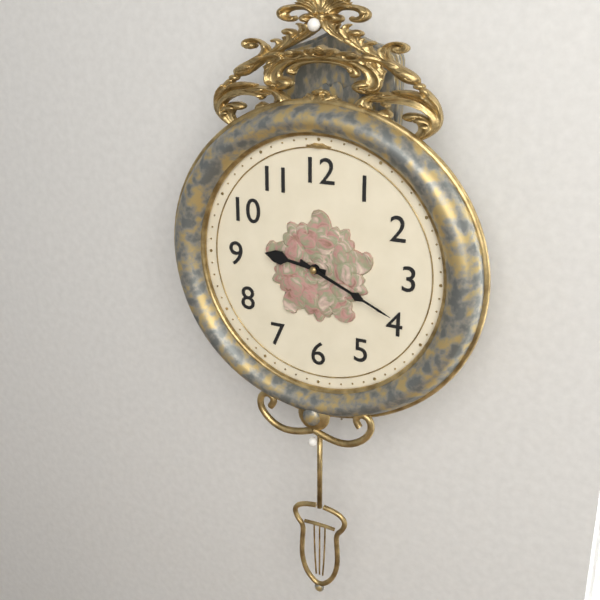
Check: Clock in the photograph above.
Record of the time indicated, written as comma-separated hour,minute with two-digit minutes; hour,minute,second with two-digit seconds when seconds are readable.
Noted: 9,19
